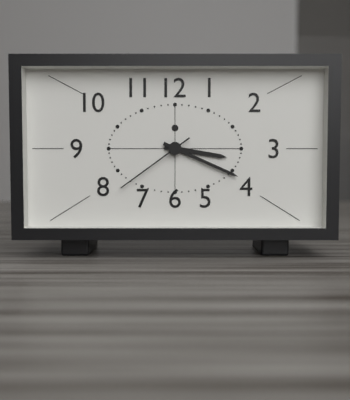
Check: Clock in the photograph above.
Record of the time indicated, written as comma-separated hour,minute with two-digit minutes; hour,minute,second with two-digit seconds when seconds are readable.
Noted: 3,19,39
